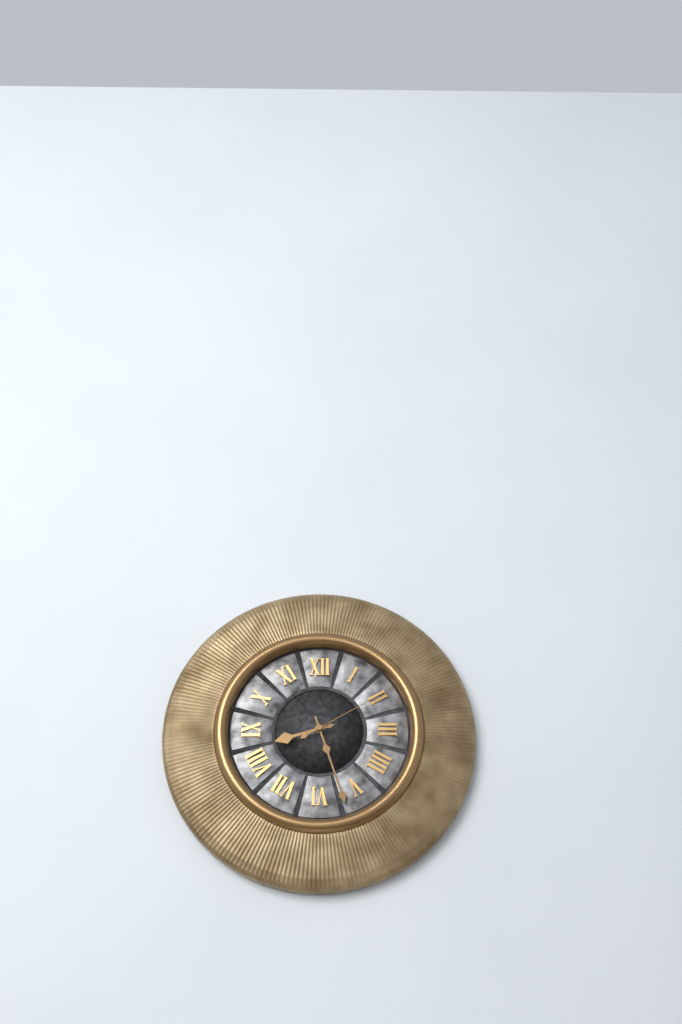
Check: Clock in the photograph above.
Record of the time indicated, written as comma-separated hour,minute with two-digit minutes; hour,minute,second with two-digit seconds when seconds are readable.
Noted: 8,27,10
